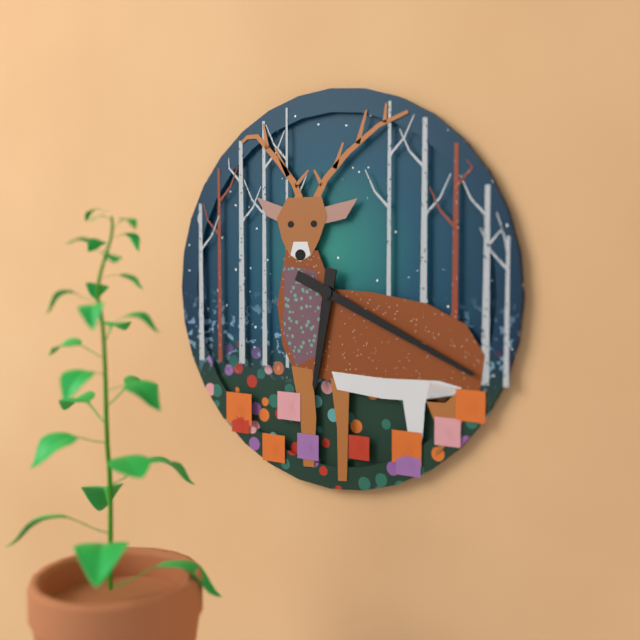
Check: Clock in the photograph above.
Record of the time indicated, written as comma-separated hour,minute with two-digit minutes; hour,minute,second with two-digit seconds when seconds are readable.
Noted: 6,19
